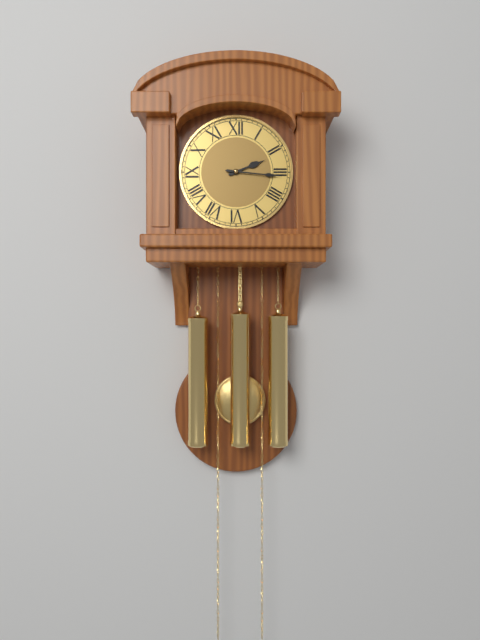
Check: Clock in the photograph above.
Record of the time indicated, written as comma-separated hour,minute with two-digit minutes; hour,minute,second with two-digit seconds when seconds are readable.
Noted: 2,16
